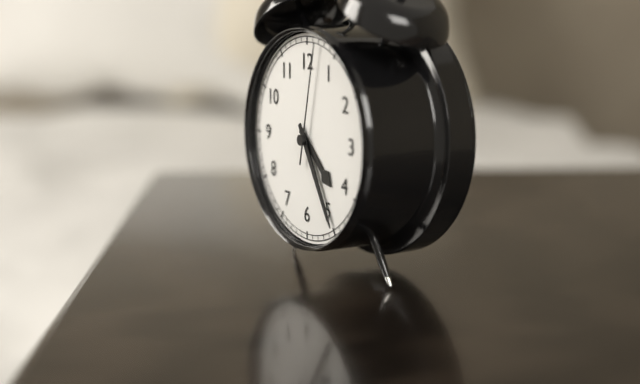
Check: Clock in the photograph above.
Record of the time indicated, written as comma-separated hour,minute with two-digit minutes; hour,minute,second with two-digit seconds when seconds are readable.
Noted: 4,25,02
